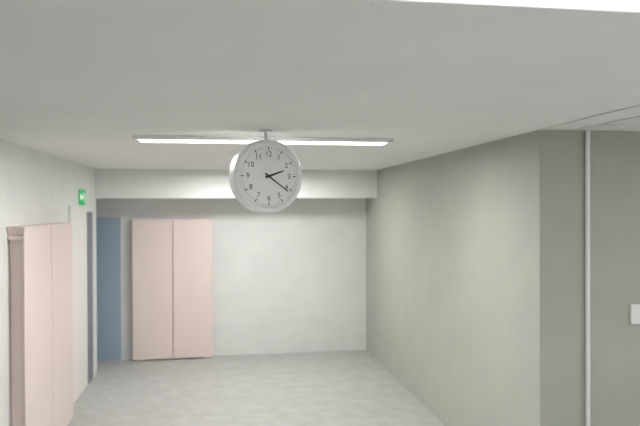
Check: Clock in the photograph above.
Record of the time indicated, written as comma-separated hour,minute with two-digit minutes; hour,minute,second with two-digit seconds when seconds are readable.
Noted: 2,21
